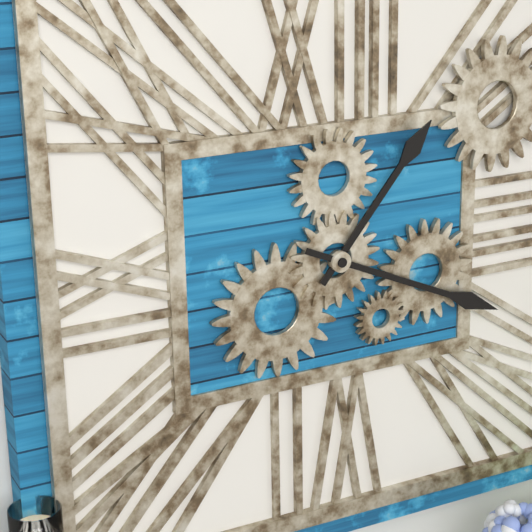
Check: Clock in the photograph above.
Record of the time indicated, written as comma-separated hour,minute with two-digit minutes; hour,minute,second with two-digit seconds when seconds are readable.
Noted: 1,19
